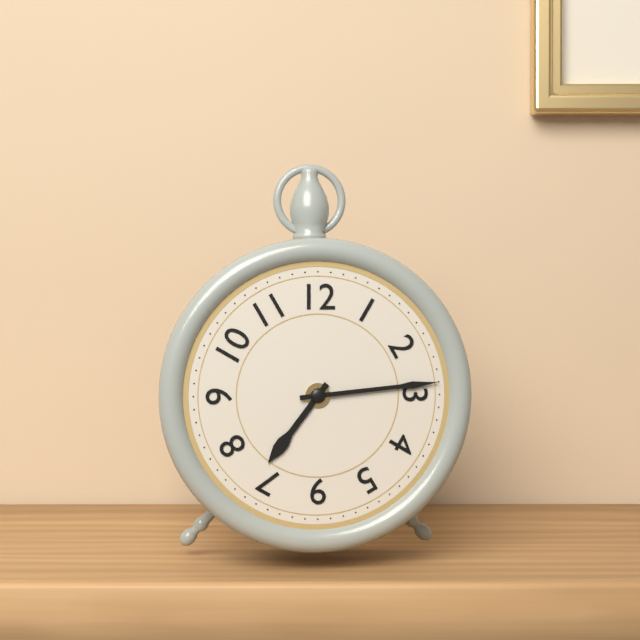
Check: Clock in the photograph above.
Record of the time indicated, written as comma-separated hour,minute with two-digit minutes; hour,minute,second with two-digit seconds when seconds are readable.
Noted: 7,14
